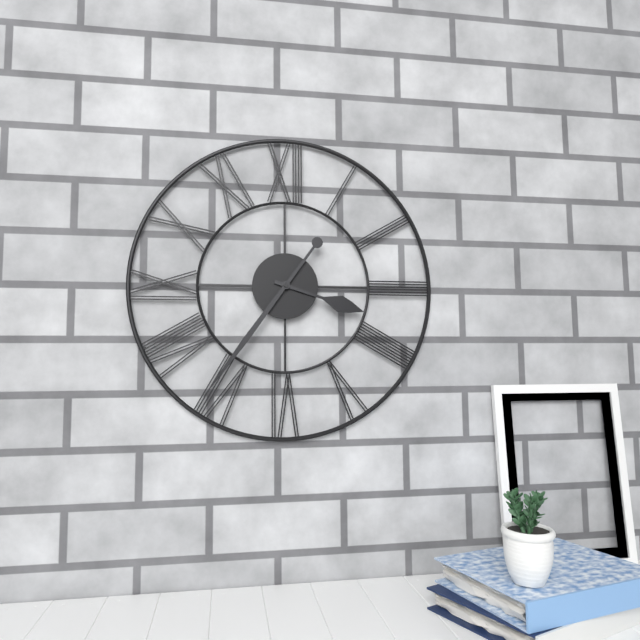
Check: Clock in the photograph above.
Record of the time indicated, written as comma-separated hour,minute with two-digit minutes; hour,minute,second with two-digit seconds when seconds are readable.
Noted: 3,36
